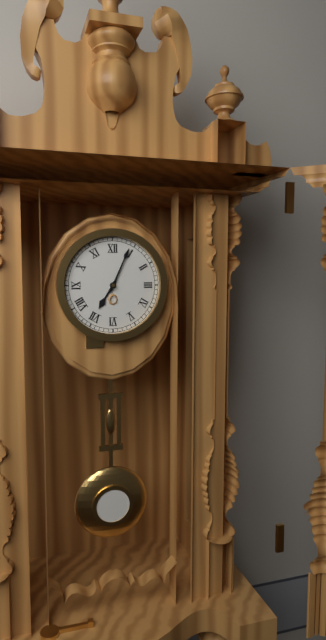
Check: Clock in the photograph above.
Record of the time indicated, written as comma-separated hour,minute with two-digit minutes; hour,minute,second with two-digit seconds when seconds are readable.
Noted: 7,04
